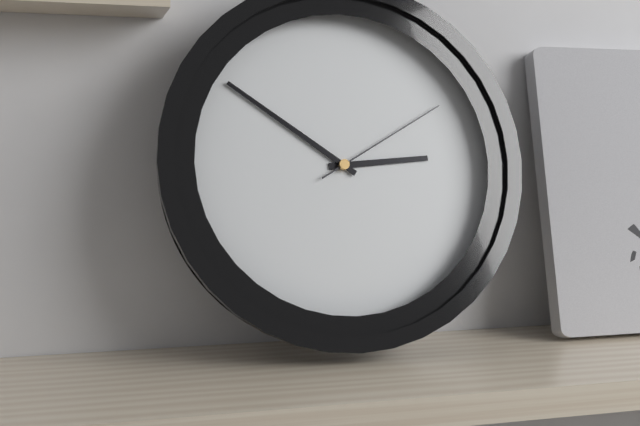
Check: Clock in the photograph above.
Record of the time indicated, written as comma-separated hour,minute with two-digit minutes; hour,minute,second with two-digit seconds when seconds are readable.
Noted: 2,51,10
